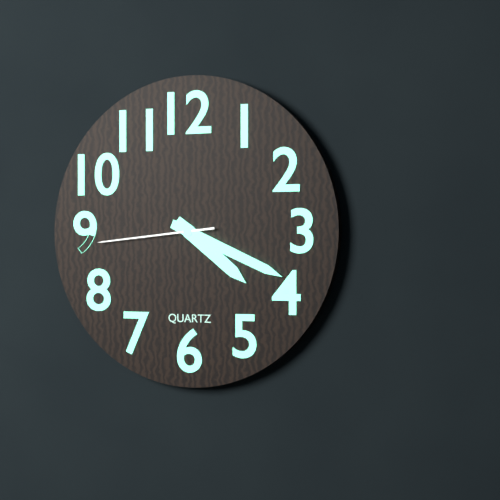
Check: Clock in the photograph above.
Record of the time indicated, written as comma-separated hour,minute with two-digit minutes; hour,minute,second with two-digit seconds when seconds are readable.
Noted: 4,19,44
